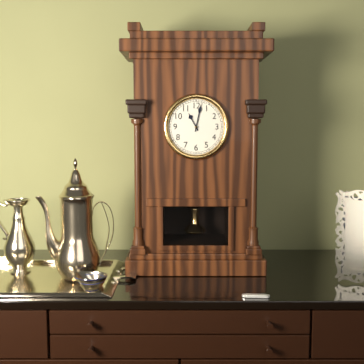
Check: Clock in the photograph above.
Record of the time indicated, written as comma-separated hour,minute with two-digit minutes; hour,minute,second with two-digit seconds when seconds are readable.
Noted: 11,02
